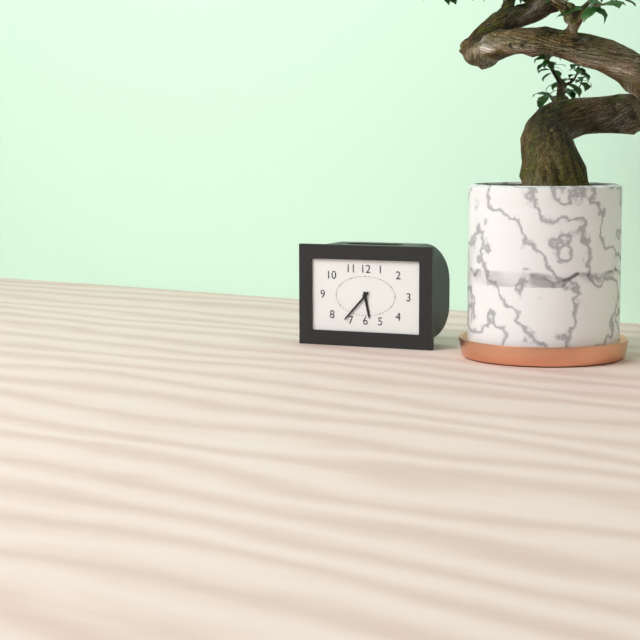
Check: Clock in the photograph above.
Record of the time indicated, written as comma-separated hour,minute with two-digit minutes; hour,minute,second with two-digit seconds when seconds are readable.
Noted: 5,37
